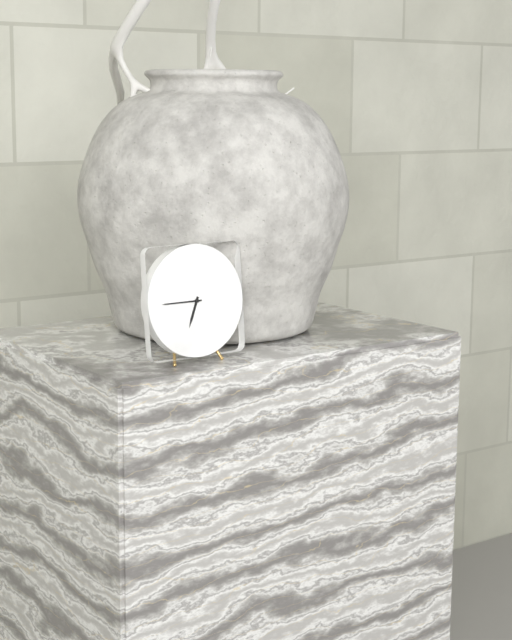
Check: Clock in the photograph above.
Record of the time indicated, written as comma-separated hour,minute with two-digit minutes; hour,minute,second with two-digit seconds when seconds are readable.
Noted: 6,45
